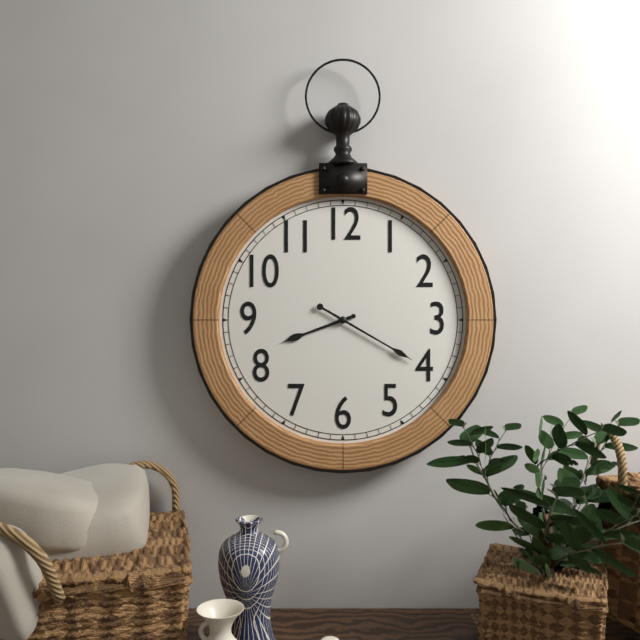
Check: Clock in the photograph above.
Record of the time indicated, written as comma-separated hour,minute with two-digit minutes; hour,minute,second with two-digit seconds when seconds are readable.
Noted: 8,20
